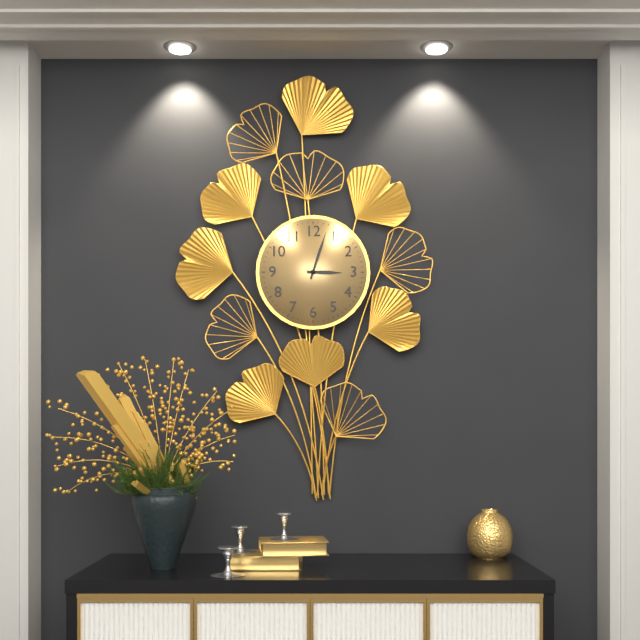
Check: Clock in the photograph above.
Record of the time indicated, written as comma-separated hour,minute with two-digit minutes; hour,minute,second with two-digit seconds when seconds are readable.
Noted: 3,03
